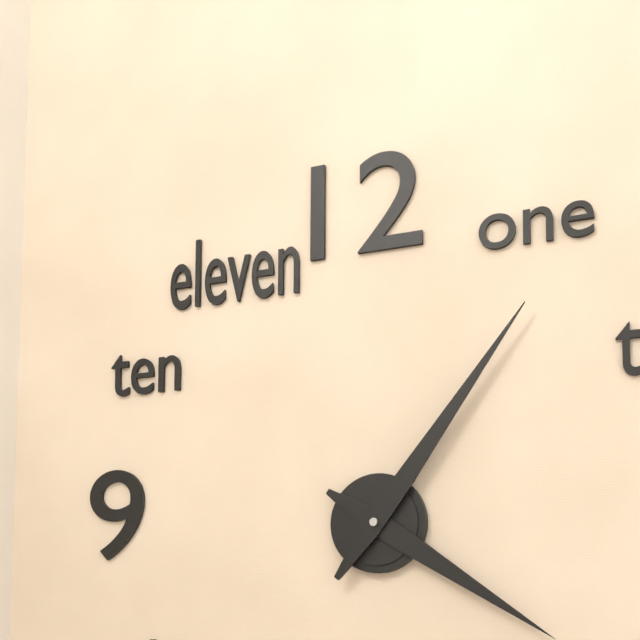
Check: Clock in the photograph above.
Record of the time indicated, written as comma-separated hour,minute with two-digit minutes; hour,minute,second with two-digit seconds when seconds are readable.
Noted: 4,06
